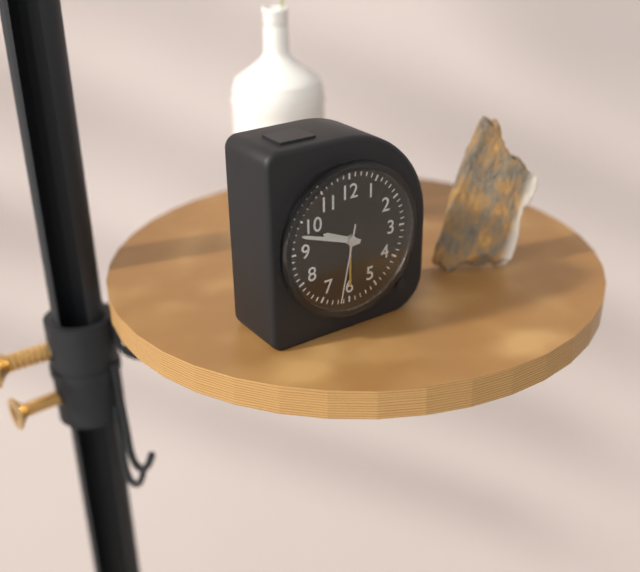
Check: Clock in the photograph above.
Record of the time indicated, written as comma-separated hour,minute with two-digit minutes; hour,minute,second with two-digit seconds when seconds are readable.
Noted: 9,48,32
